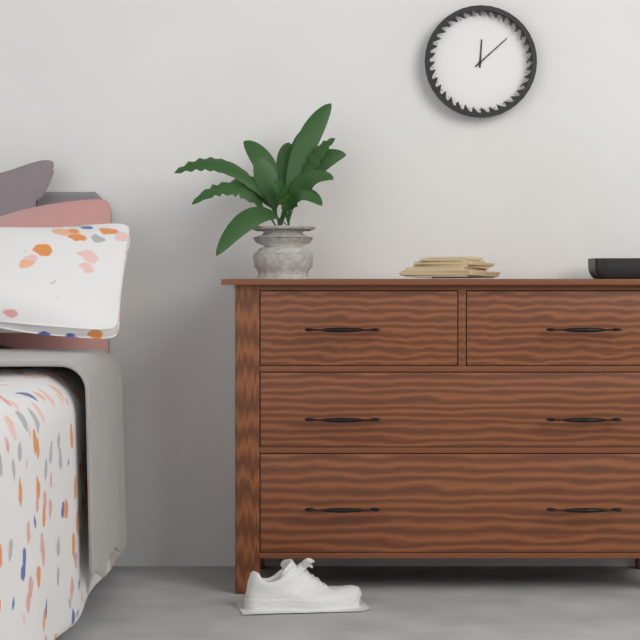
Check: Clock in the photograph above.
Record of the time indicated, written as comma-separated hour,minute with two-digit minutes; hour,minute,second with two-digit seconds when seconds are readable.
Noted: 12,08
